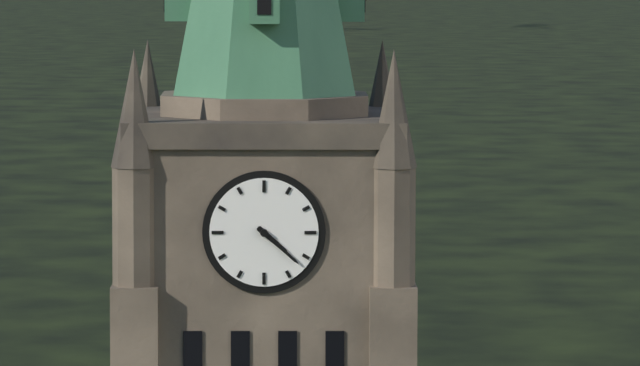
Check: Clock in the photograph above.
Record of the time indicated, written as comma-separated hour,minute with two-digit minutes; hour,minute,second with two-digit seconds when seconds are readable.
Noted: 4,22
